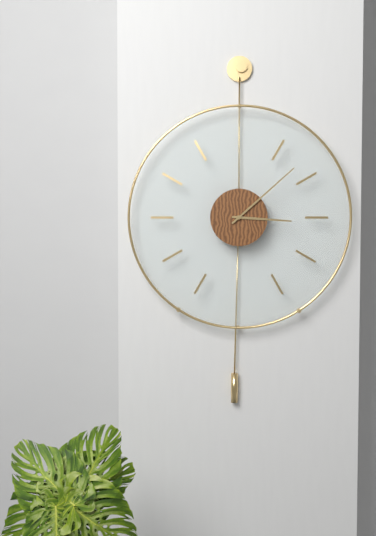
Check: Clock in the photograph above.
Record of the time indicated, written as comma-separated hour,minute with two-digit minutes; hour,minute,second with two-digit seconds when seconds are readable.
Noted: 3,08
